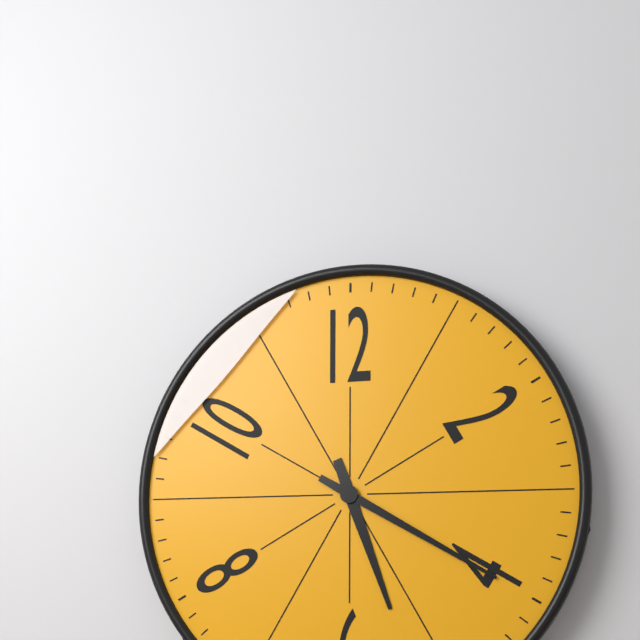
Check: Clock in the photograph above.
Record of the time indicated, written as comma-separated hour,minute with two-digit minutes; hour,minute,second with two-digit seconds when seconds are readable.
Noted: 5,20
